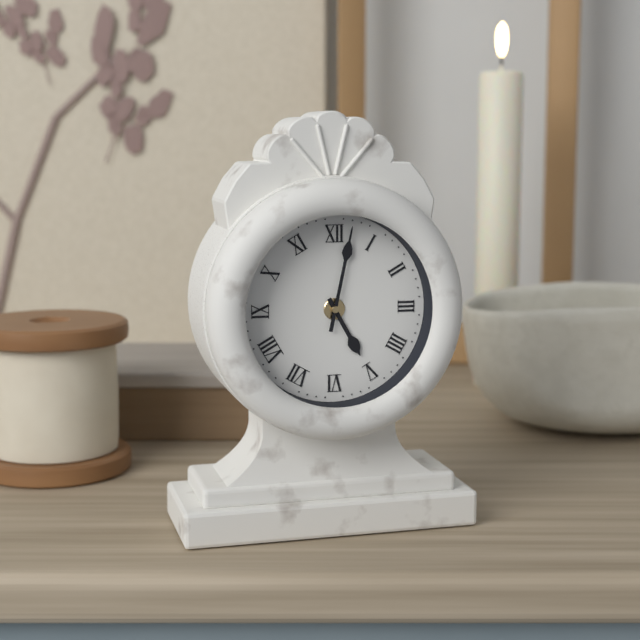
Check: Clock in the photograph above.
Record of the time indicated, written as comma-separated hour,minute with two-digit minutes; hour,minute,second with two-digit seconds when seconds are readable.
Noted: 5,02
